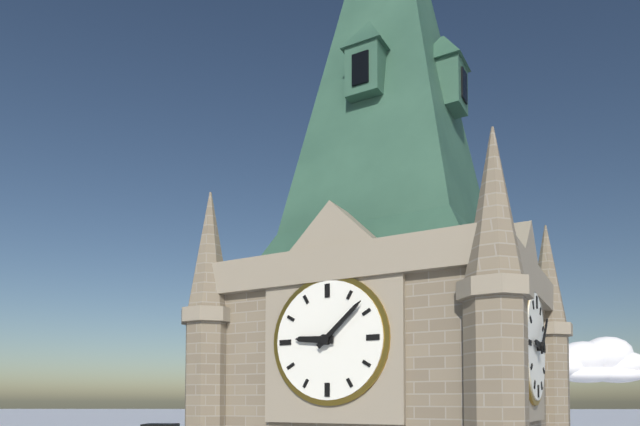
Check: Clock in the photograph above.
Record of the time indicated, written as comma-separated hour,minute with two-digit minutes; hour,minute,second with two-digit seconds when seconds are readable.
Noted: 9,08
